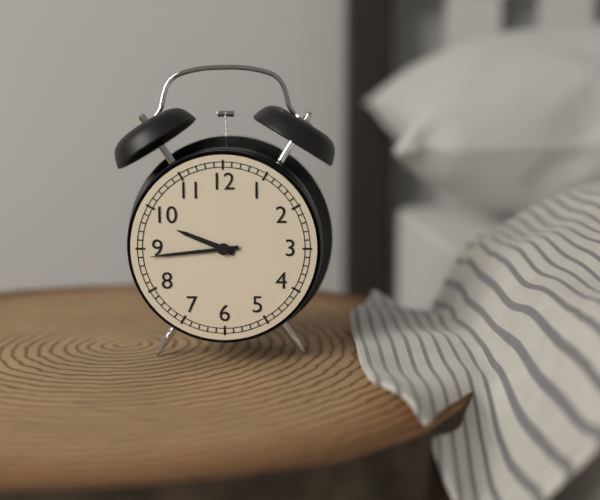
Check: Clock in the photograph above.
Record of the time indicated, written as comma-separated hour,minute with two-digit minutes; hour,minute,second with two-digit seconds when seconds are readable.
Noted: 9,44
